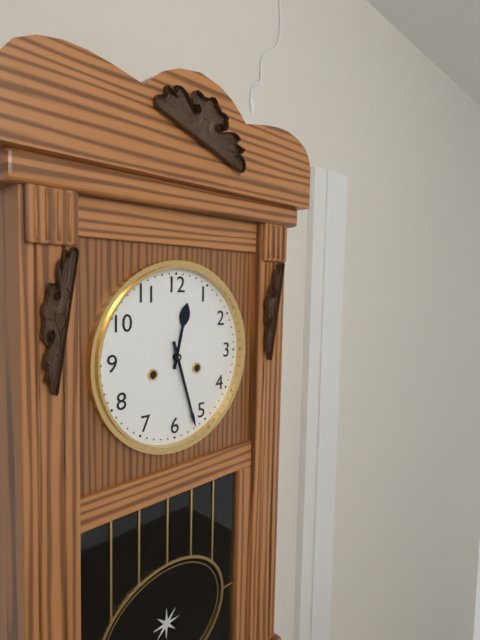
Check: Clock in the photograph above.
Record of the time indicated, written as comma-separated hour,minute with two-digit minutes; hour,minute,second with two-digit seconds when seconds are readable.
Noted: 12,27
